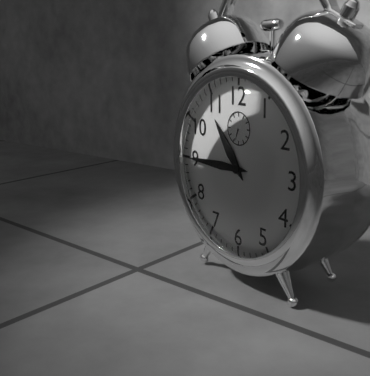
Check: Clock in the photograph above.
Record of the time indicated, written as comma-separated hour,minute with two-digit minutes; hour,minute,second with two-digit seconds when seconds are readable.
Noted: 10,45
